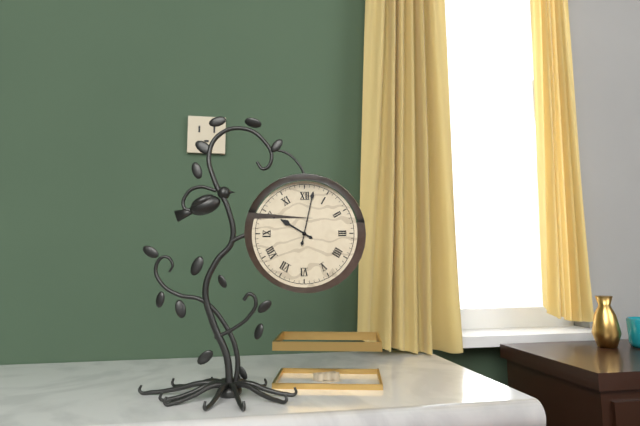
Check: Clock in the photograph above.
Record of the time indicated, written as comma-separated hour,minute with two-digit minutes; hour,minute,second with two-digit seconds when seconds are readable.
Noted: 10,02
